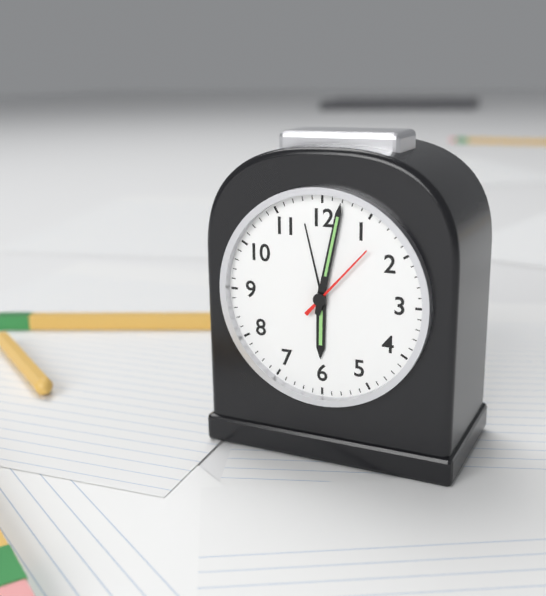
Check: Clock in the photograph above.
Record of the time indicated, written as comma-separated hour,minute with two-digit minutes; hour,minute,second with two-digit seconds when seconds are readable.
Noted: 6,02,07
